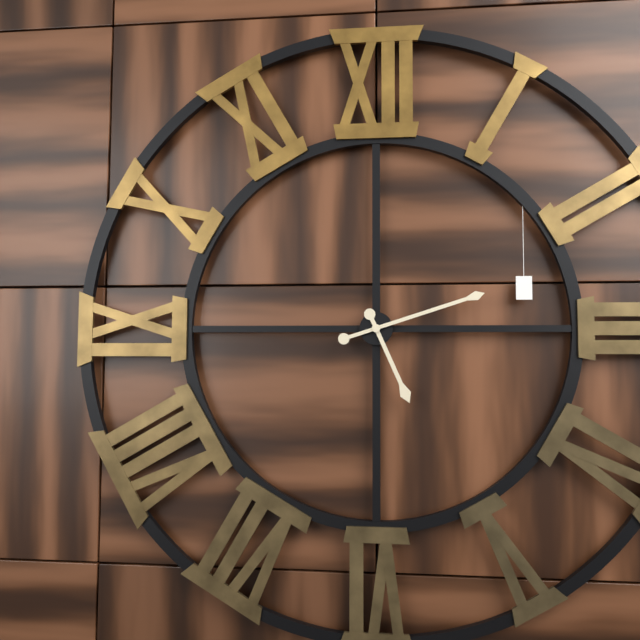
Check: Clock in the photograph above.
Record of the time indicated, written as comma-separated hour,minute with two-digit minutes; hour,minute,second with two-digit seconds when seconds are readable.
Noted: 5,12
